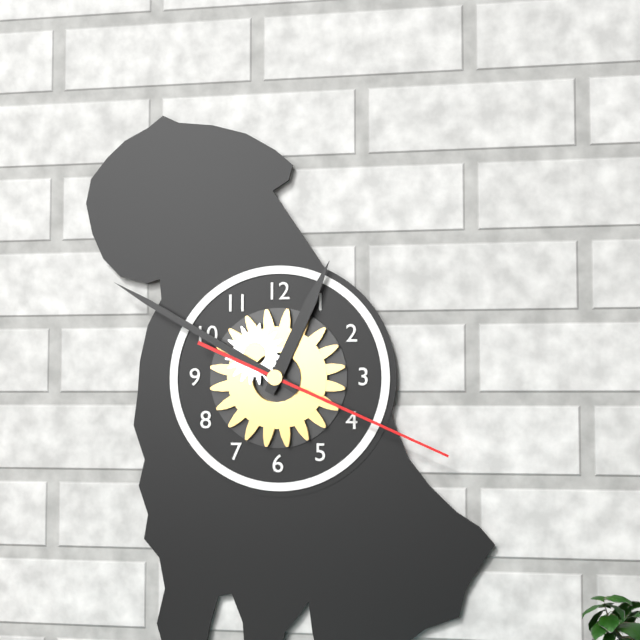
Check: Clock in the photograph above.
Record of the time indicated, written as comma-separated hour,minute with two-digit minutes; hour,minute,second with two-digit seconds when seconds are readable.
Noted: 12,50,19
